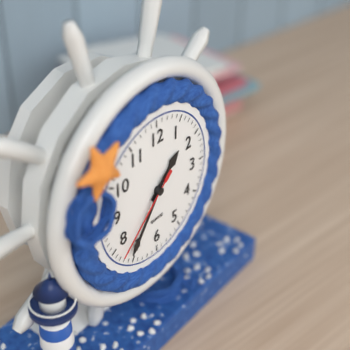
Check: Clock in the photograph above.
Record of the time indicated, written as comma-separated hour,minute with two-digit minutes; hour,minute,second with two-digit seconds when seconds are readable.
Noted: 1,36,38
